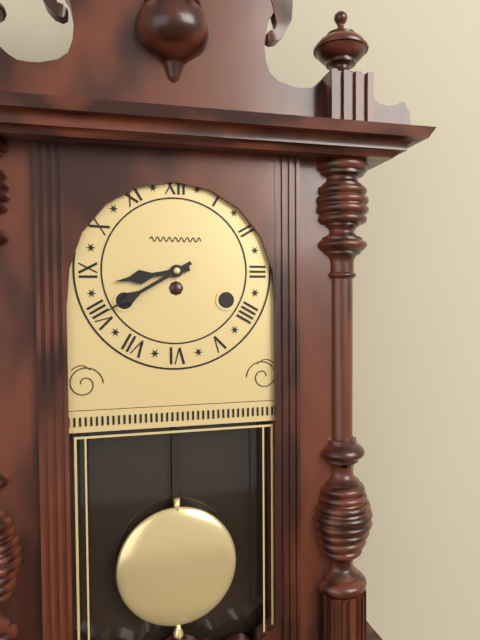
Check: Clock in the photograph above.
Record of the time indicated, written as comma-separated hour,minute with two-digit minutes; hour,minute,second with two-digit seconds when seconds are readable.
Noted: 8,40
